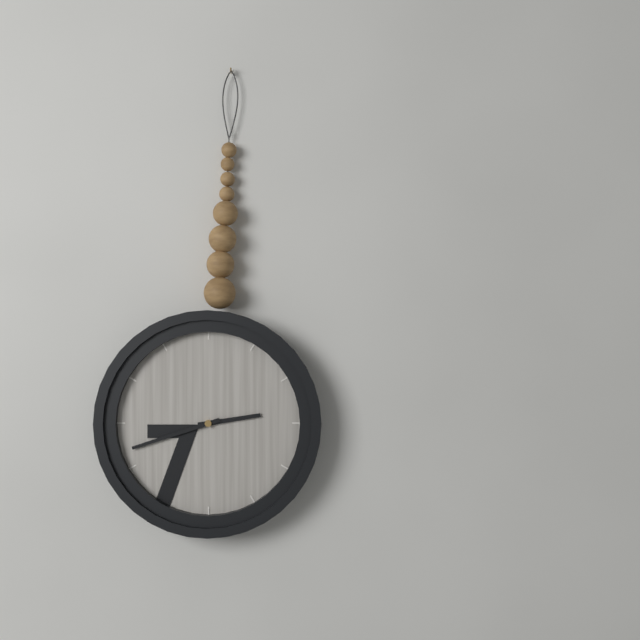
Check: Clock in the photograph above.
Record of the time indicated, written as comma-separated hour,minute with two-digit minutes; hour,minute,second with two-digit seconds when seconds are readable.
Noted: 2,42
